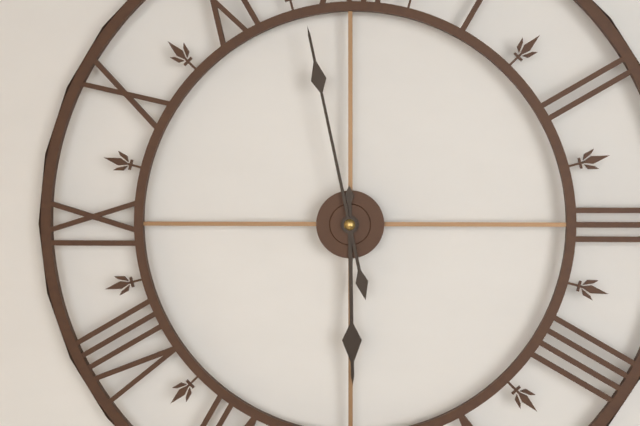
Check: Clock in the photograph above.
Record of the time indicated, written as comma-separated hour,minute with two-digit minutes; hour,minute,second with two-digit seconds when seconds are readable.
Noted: 5,58
